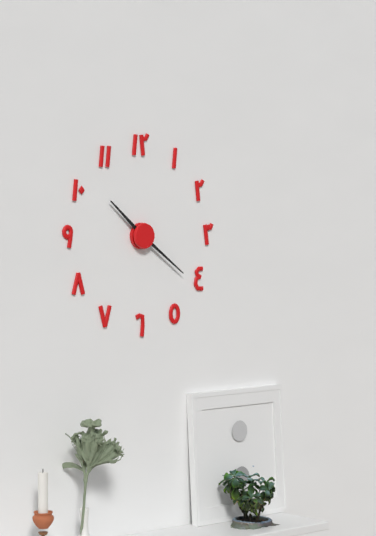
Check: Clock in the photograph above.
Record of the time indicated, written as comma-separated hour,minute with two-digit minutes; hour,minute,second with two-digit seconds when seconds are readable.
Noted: 10,21
